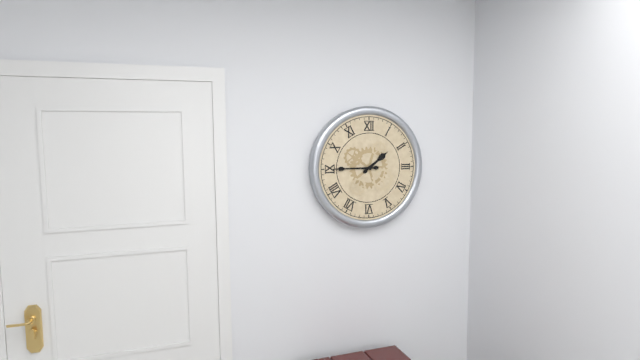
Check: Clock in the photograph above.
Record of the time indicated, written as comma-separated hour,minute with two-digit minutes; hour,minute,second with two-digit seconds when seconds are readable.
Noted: 1,45
